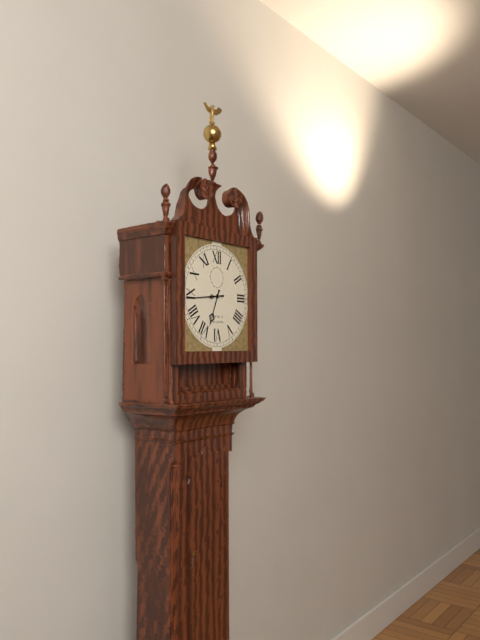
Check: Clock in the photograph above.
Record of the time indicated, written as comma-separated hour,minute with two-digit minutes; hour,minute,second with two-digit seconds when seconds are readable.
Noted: 6,44
